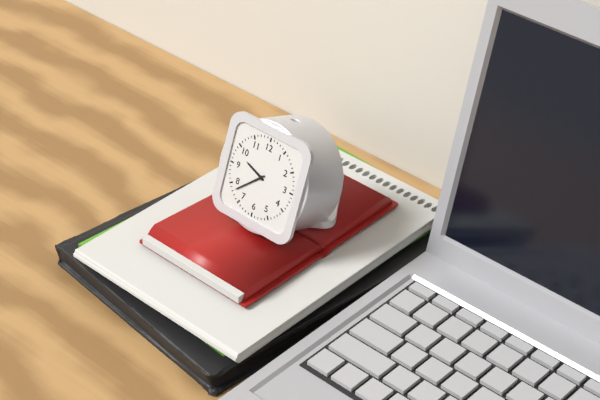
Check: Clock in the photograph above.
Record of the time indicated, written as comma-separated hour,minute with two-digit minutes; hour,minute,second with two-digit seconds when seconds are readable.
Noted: 9,38
